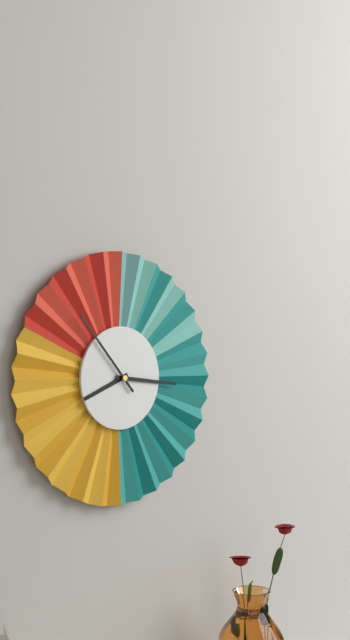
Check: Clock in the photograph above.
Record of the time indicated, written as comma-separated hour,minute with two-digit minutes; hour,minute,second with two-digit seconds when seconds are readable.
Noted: 8,16,53
